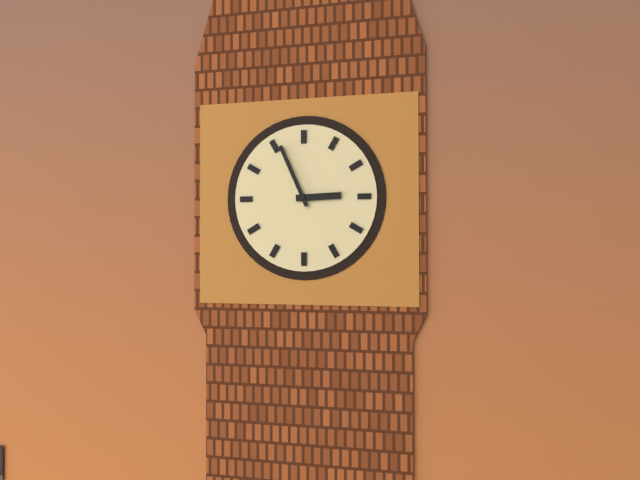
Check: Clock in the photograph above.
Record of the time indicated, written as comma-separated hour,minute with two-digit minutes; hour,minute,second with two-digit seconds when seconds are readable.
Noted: 2,56
